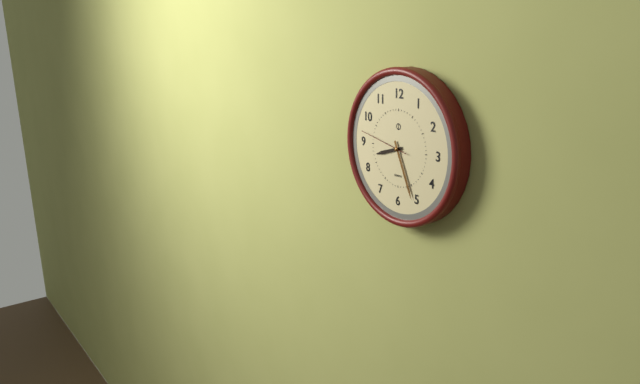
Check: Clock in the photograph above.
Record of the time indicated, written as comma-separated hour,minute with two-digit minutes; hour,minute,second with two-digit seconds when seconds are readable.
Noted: 8,26
